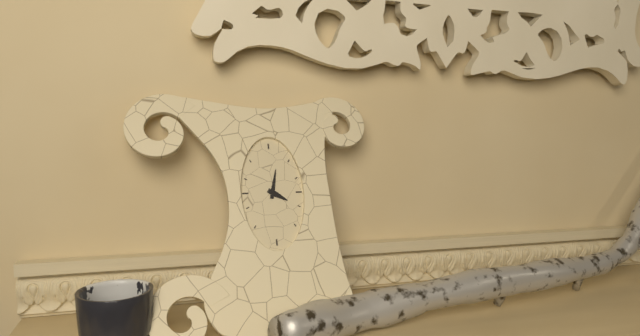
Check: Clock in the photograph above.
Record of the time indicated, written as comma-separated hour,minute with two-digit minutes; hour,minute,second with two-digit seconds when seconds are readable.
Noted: 4,02
